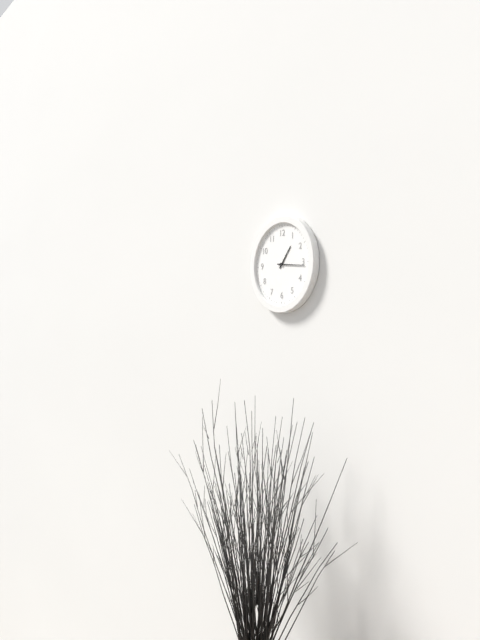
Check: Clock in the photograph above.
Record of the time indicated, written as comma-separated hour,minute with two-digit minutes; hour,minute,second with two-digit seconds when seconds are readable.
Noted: 1,16
